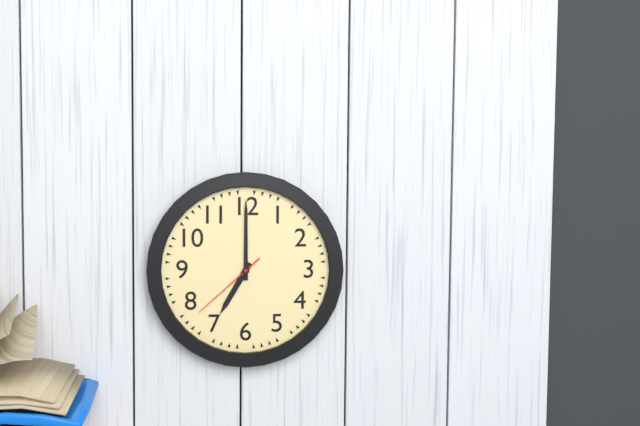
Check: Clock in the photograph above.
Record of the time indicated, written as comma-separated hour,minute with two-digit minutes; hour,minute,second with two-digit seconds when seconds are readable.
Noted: 7,00,38
